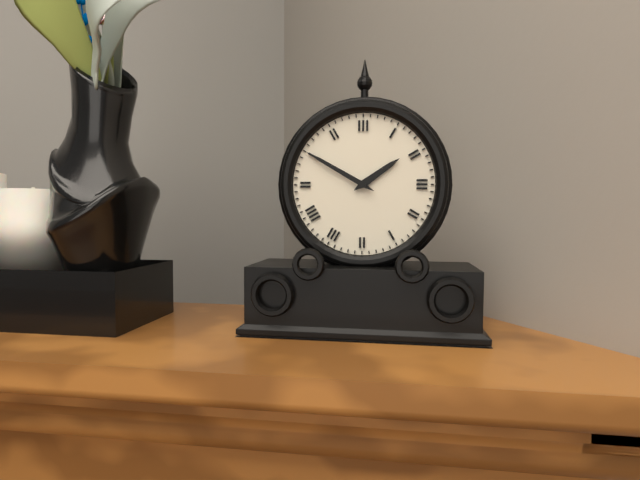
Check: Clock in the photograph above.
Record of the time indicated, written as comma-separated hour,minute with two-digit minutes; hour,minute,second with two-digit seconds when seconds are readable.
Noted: 1,50
